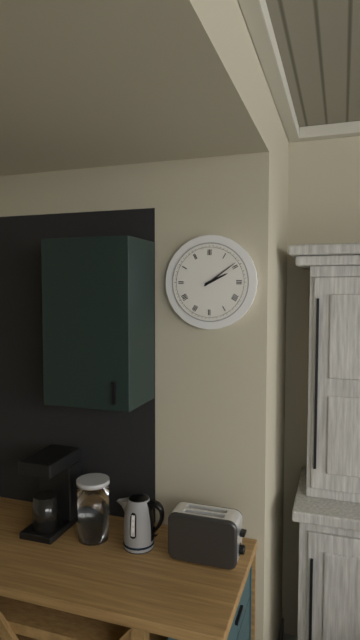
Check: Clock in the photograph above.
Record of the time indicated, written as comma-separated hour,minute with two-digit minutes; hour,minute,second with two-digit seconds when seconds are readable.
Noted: 2,09
